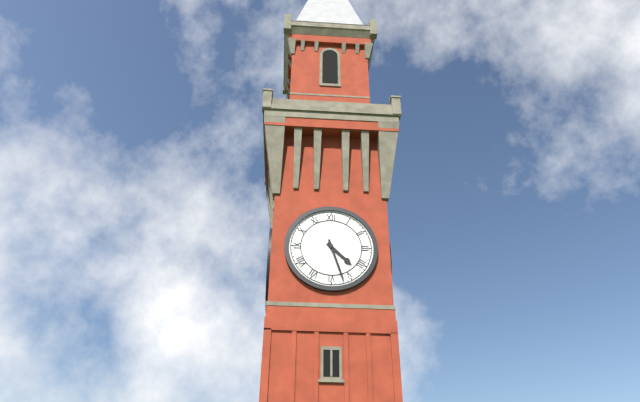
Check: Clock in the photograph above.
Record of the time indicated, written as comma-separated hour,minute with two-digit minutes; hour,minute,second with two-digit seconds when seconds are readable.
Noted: 4,27
